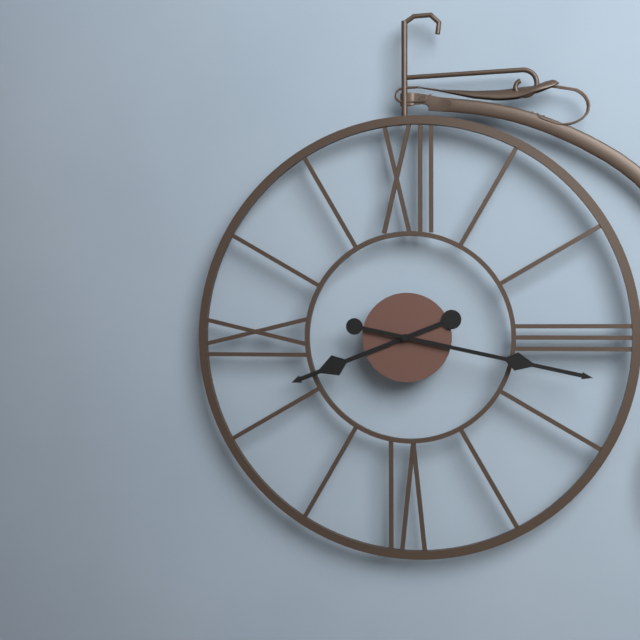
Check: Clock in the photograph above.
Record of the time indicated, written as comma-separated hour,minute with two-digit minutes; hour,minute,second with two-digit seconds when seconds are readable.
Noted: 8,17
